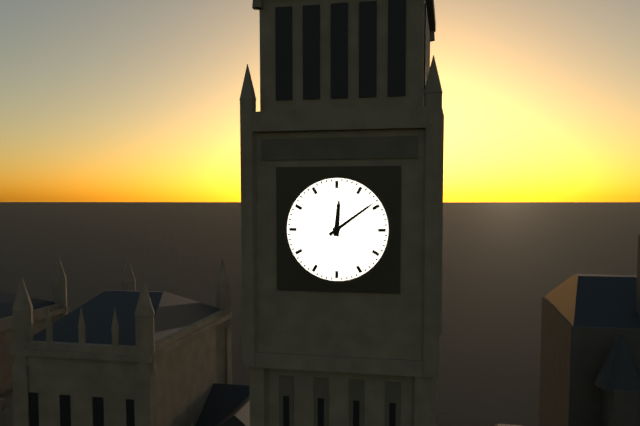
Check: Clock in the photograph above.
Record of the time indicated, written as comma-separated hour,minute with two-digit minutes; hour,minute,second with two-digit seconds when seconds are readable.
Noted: 12,09
